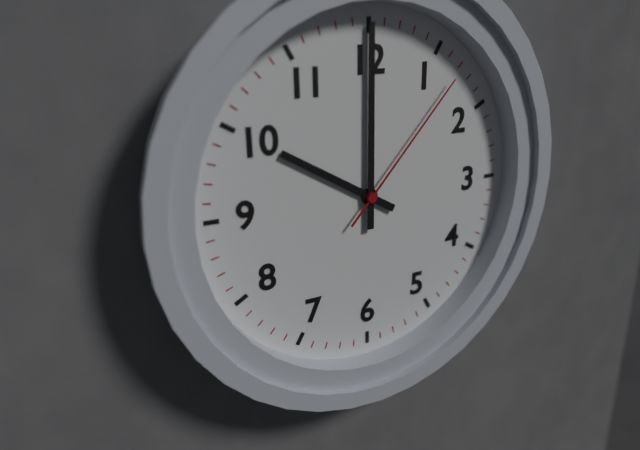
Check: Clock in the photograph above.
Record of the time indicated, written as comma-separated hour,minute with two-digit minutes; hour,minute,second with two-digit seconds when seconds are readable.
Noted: 10,00,07
